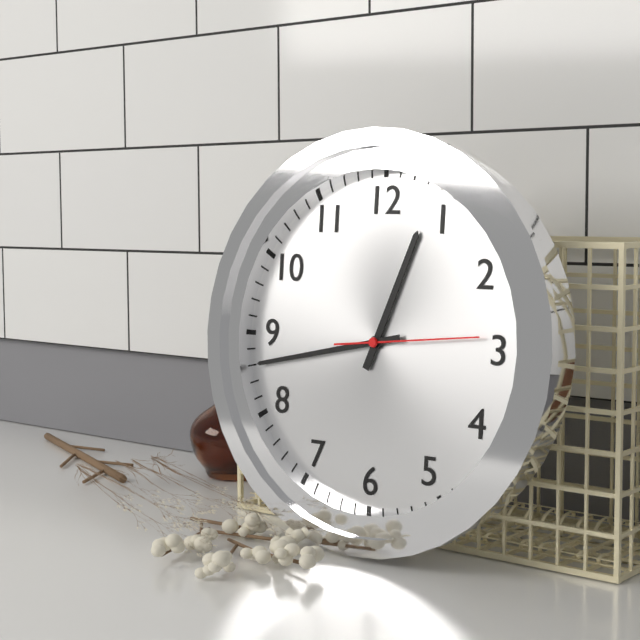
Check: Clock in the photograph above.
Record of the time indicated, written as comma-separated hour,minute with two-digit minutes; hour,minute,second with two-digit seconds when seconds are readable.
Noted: 12,43,14
